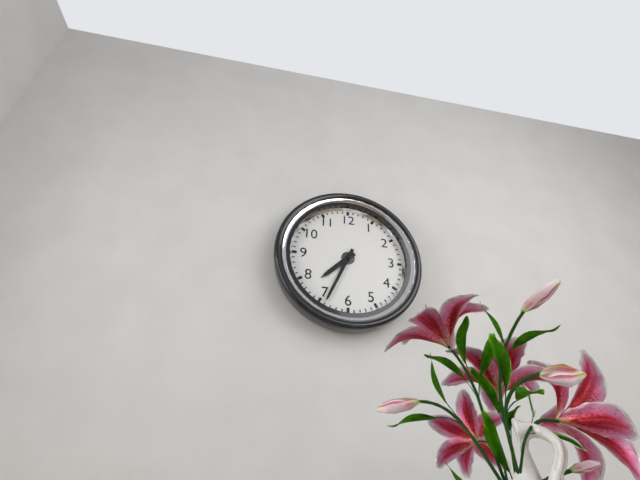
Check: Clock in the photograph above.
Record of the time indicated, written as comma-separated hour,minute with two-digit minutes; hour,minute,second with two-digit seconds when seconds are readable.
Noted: 7,34
